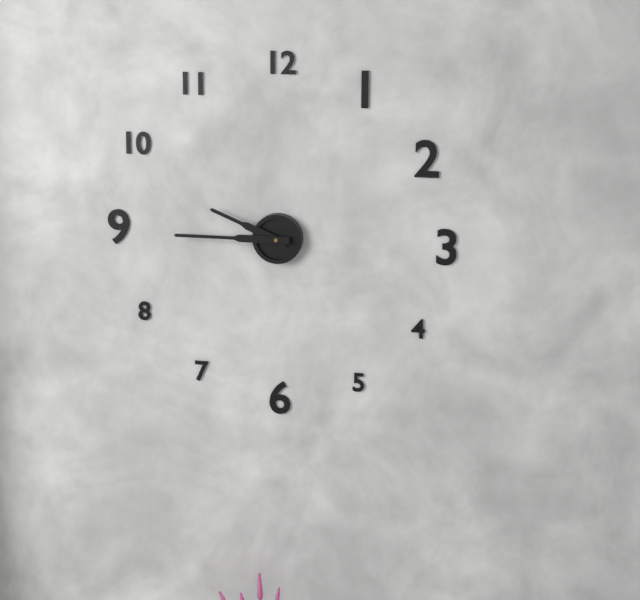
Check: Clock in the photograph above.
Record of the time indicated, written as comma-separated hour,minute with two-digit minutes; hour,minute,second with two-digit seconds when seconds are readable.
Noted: 9,45
